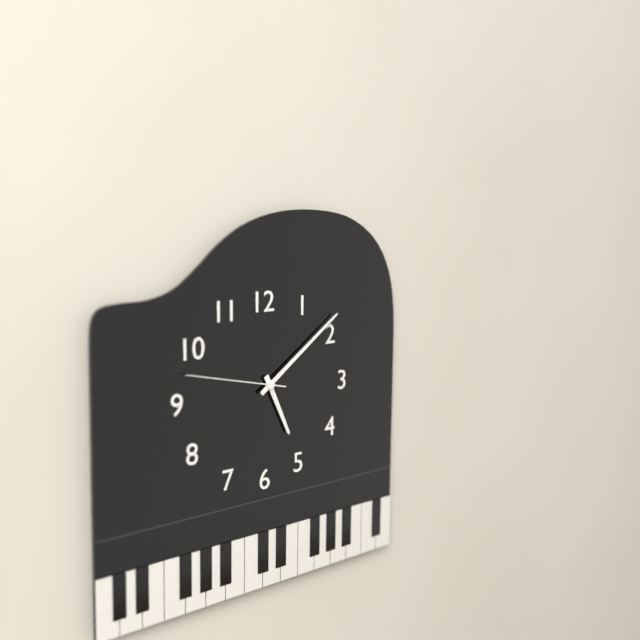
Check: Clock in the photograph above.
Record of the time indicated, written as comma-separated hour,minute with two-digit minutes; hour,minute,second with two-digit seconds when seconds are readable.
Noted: 5,09,47
